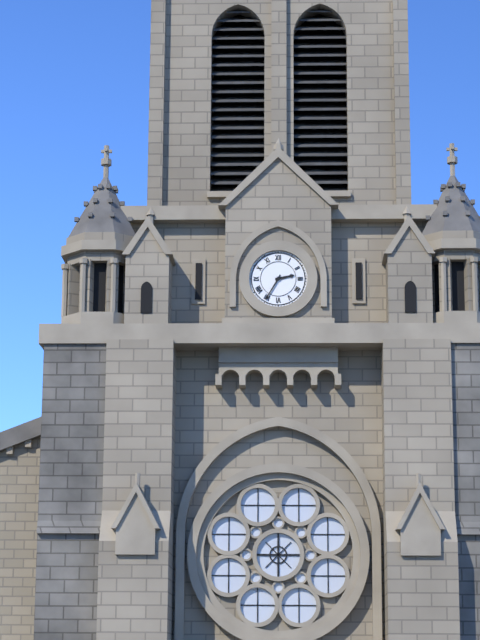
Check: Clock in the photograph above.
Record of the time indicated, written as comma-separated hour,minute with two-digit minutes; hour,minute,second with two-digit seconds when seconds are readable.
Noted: 2,35
